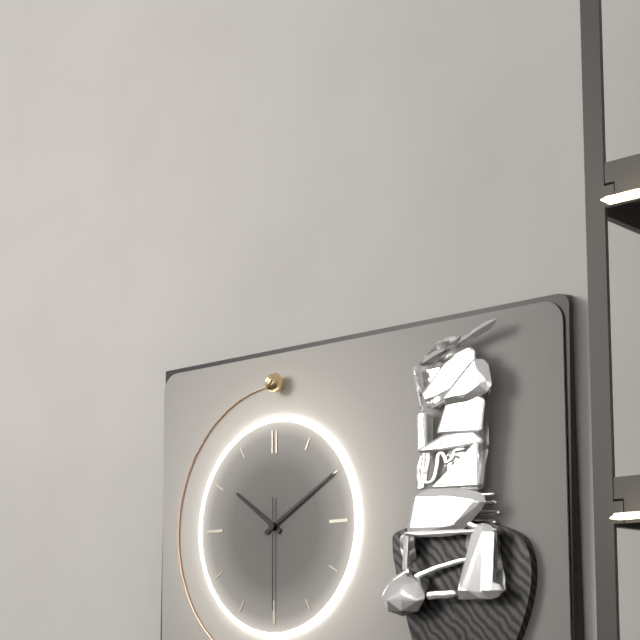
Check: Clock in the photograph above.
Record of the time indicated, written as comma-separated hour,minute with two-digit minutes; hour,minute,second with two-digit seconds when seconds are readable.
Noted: 10,10,30
